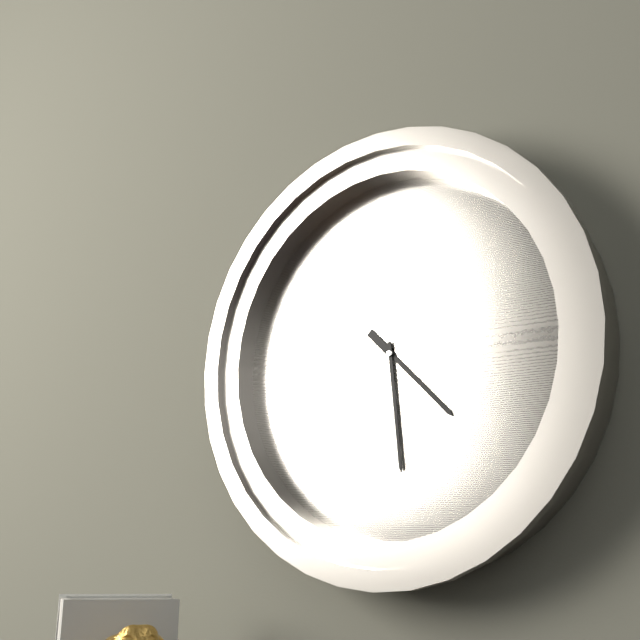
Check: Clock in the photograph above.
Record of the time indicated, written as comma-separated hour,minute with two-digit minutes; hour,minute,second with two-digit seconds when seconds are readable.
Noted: 4,29
